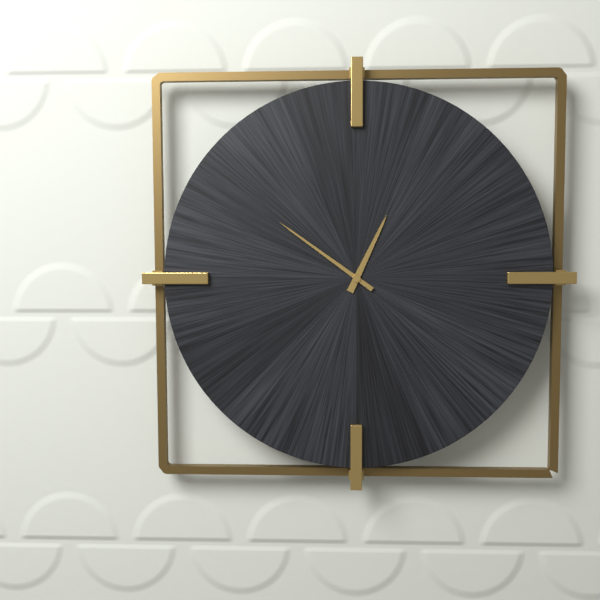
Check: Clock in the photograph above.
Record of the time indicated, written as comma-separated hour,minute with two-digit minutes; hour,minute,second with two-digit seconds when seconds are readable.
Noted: 12,51
